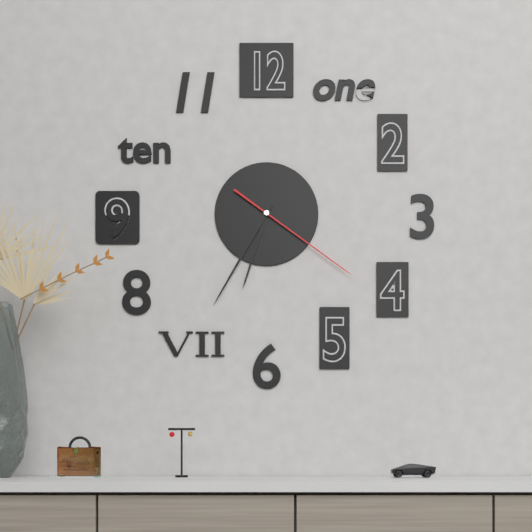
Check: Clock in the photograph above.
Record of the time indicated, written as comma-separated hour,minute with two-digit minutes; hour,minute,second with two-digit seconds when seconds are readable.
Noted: 6,35,21
